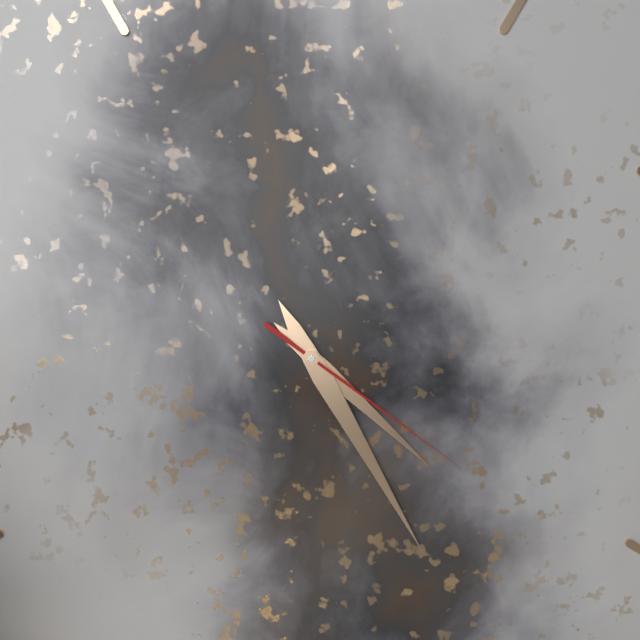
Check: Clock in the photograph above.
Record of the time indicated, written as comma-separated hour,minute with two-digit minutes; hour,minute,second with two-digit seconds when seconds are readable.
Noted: 4,25,21
